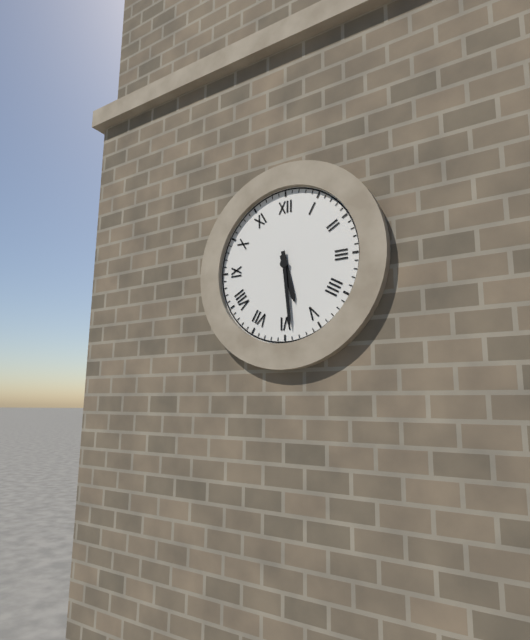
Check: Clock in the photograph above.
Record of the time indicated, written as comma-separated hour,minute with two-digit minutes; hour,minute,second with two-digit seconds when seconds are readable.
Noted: 5,29
